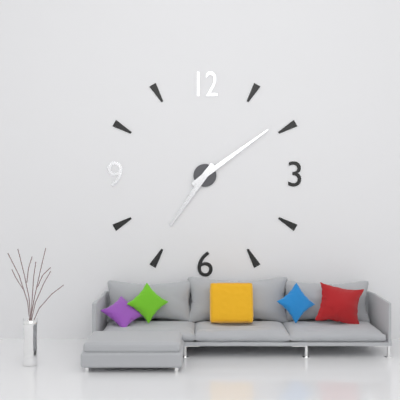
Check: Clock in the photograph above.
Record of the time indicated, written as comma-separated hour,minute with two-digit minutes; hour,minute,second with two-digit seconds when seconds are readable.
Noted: 7,09
